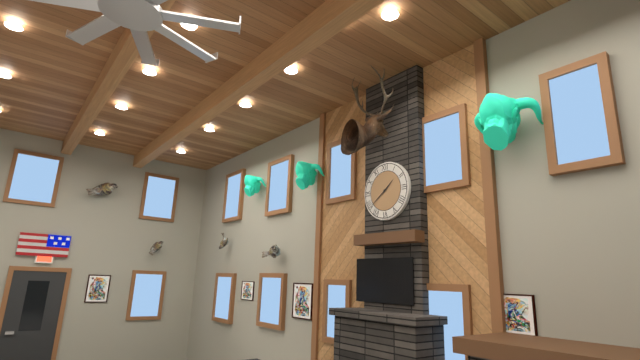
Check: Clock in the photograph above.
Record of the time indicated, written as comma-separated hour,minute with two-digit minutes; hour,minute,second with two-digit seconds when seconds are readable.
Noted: 1,39
